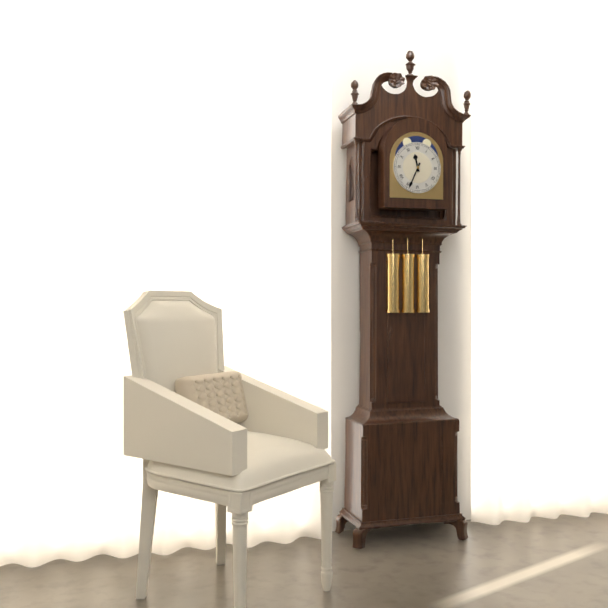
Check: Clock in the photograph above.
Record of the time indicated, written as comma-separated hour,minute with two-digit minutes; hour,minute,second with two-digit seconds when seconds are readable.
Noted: 11,34
